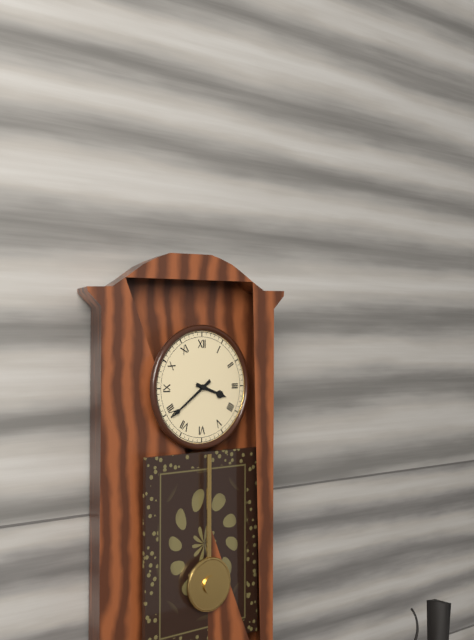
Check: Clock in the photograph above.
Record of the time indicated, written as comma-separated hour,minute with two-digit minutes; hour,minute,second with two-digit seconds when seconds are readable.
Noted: 3,39
